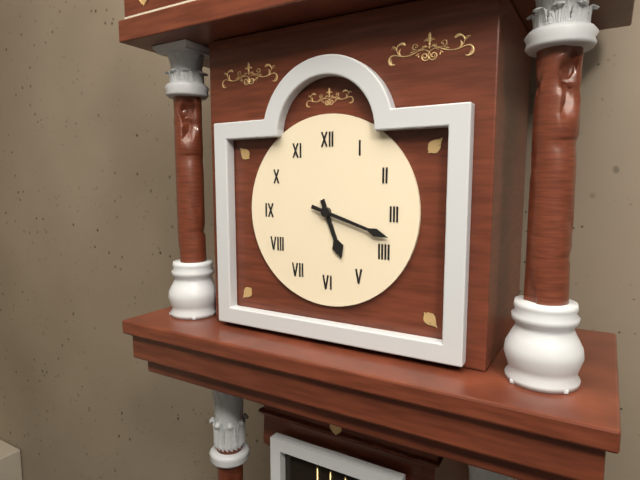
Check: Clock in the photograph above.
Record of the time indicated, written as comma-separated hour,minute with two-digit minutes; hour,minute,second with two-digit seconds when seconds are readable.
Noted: 5,18
